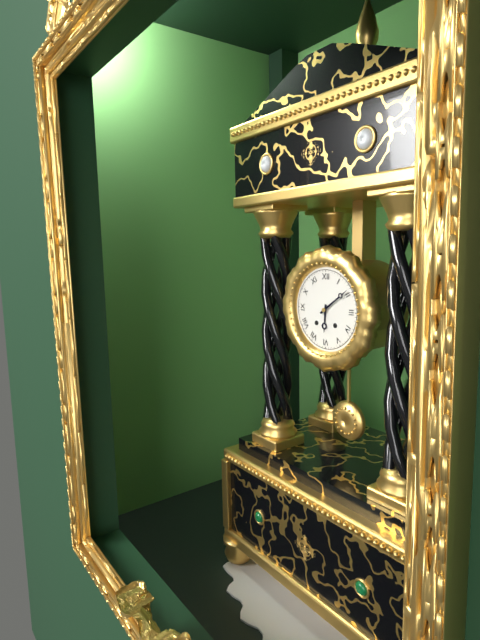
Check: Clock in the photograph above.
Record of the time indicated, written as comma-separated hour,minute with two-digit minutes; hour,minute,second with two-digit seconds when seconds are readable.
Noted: 6,09
